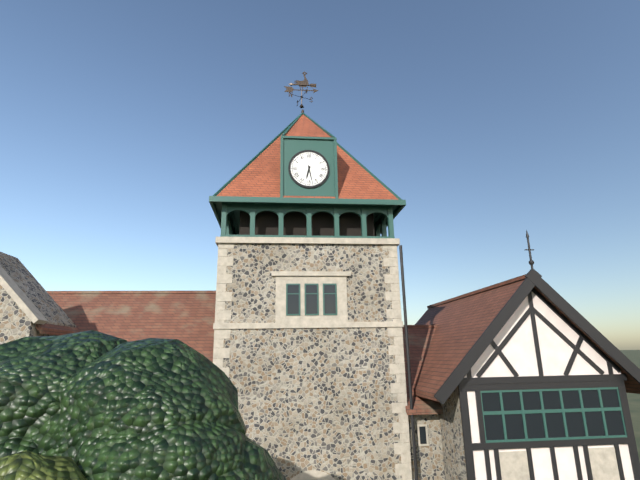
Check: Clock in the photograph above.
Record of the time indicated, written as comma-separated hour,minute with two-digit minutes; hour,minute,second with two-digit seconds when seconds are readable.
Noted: 6,28
